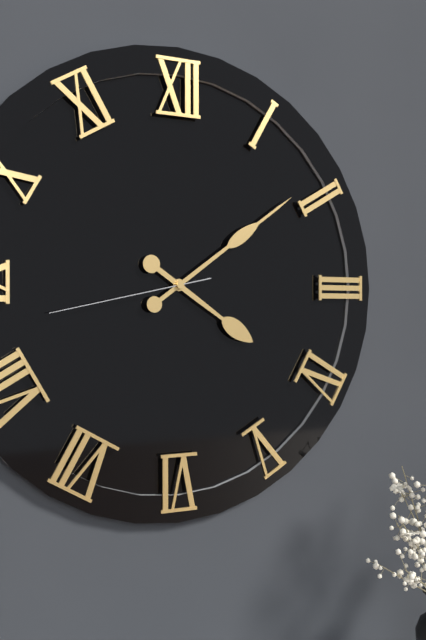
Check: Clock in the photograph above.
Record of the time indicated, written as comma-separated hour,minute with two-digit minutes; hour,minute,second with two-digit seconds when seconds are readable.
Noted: 4,09,43
